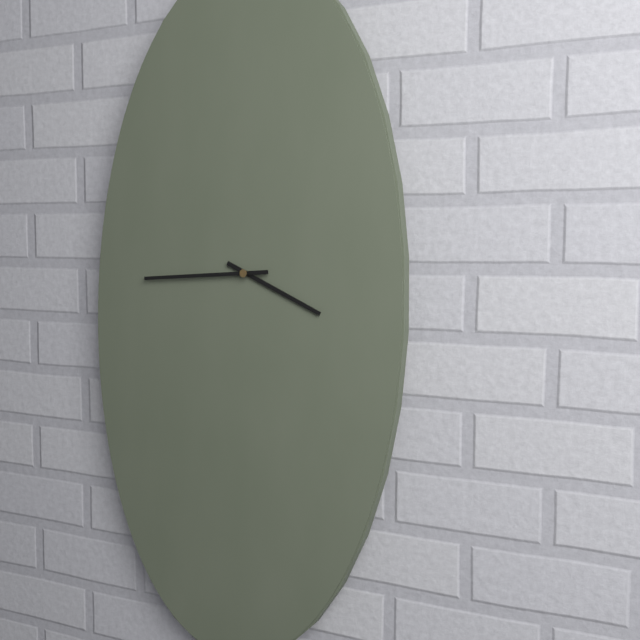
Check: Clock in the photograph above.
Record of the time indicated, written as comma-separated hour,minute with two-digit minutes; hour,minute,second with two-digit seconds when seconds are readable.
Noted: 3,44
